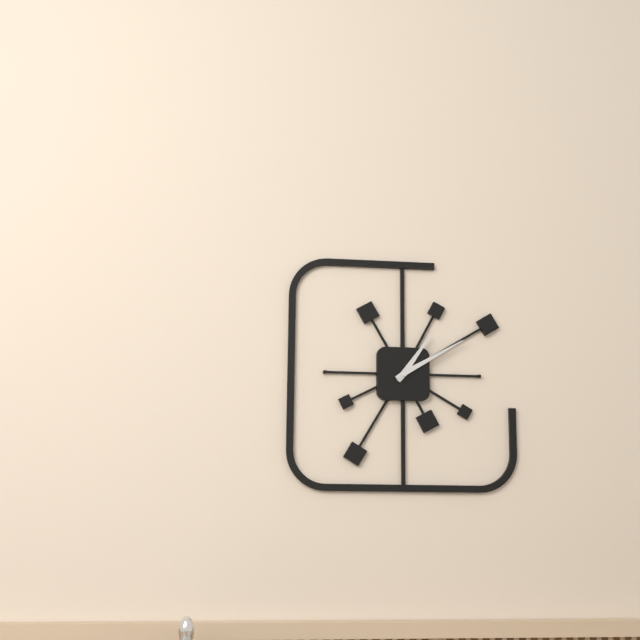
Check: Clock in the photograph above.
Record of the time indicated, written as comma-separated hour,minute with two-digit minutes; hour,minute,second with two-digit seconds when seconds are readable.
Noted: 1,10
